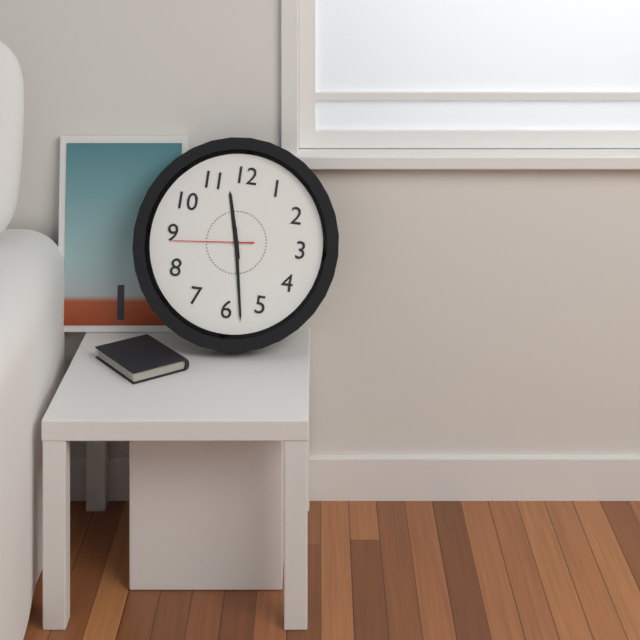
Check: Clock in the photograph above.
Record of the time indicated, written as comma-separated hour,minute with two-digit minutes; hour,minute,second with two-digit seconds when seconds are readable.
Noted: 11,28,44
